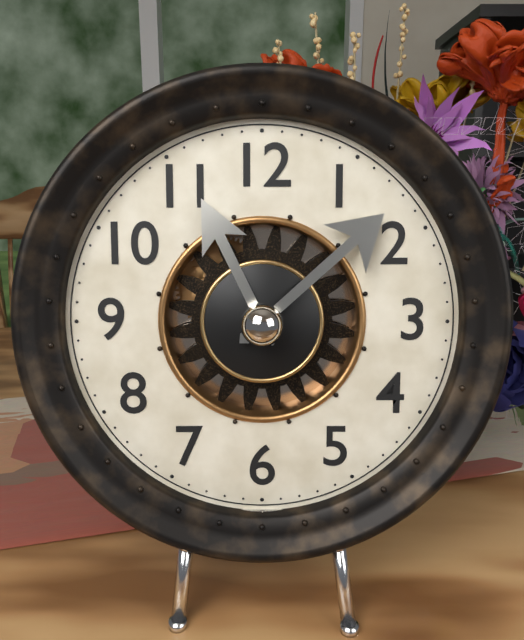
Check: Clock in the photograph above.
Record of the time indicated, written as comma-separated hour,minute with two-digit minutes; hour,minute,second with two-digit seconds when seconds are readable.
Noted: 11,08
